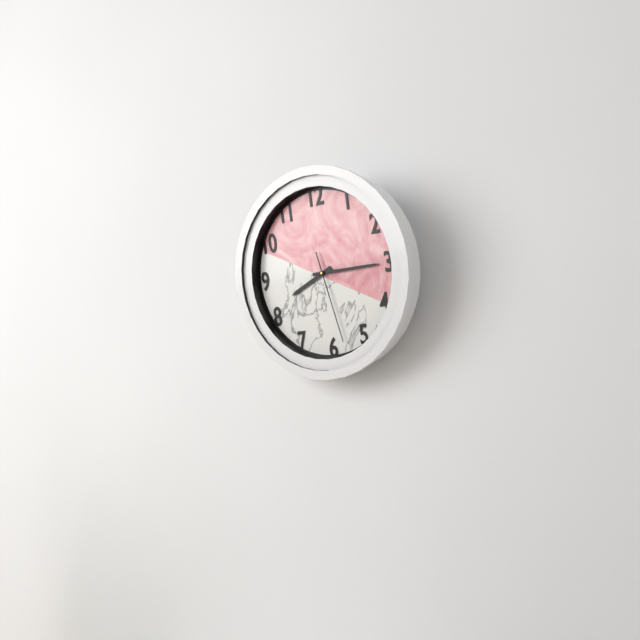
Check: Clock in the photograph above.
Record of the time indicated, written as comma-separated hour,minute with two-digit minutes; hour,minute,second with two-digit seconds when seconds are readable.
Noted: 8,15,28
